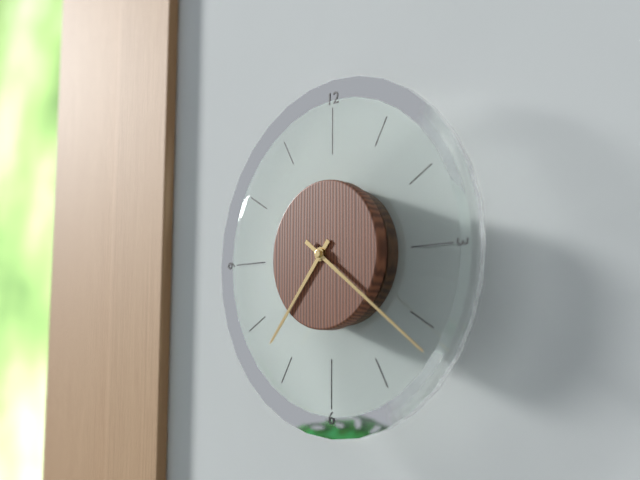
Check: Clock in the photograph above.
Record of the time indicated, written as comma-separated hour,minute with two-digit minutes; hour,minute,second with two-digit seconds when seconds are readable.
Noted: 7,21
